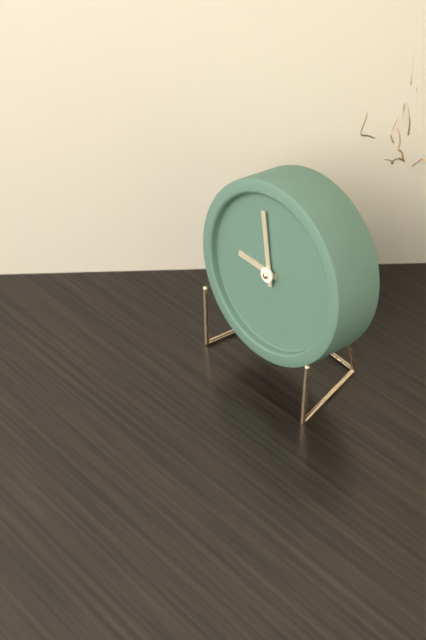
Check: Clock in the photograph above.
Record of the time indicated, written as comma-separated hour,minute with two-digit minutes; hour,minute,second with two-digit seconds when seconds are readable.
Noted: 8,57
